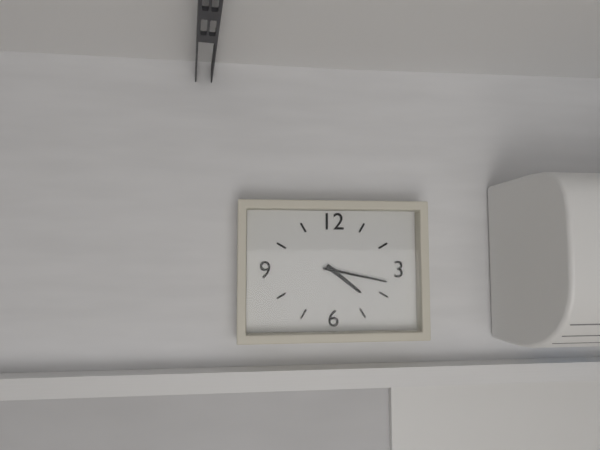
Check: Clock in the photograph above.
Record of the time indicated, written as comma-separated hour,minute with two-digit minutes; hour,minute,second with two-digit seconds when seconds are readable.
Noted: 4,17
